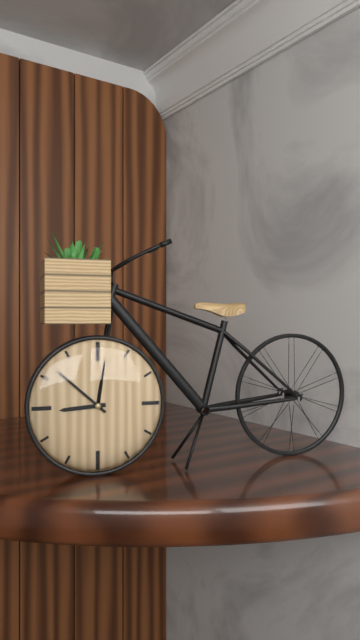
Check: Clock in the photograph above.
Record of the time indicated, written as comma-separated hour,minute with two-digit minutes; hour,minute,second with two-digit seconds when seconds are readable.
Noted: 8,52
